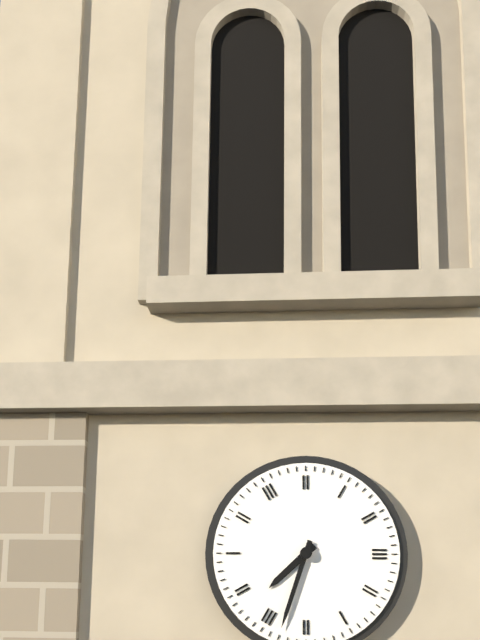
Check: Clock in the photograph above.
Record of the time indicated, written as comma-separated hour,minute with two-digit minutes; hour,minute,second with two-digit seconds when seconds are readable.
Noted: 7,33
